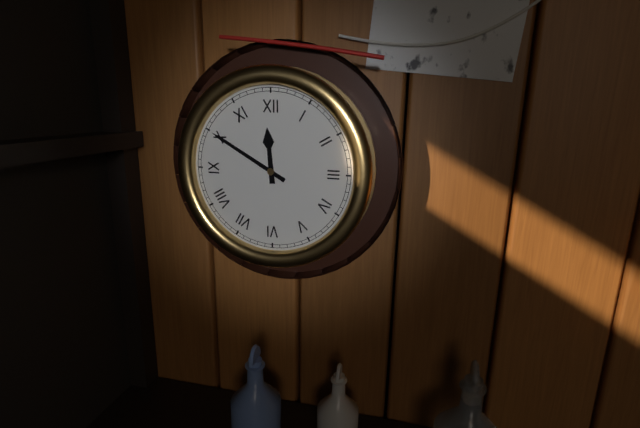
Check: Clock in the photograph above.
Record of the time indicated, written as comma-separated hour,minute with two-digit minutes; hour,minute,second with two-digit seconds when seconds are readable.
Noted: 11,50
